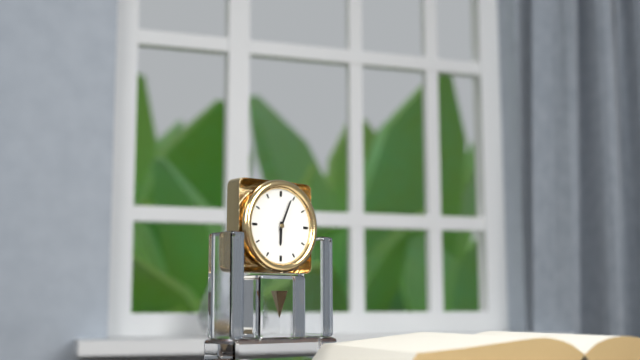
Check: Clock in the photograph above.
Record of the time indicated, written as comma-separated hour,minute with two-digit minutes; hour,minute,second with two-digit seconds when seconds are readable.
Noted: 6,04
